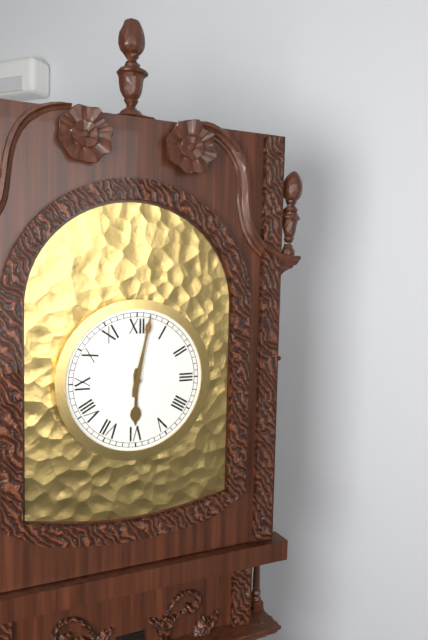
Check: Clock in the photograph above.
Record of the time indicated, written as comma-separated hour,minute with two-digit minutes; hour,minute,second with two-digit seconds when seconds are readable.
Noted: 6,02
